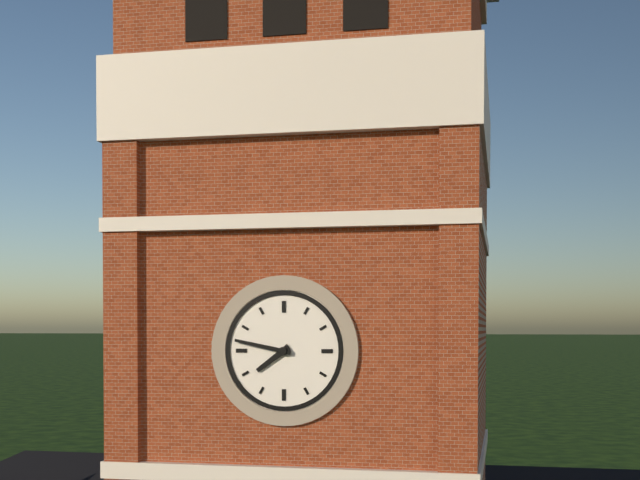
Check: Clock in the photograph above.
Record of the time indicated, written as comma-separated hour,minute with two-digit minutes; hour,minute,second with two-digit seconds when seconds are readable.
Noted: 7,47
